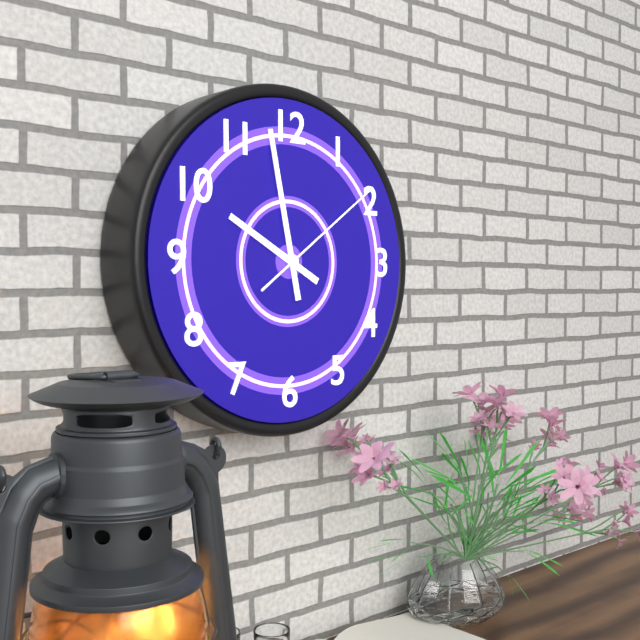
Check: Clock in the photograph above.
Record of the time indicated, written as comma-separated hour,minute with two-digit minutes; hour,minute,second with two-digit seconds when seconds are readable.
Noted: 9,58,09
